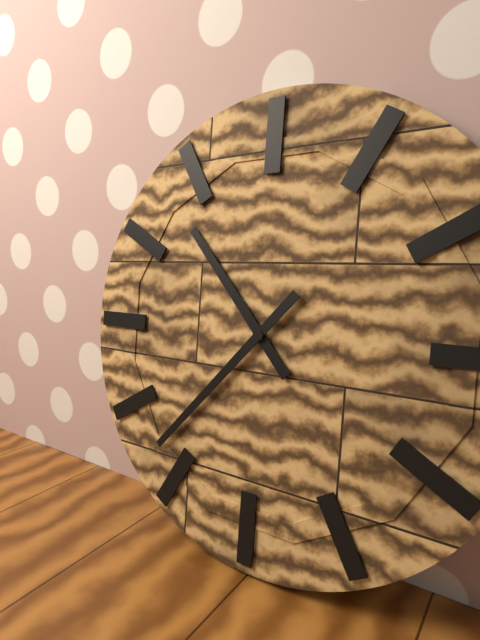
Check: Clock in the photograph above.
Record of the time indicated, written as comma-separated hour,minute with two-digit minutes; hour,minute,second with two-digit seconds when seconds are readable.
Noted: 10,37
